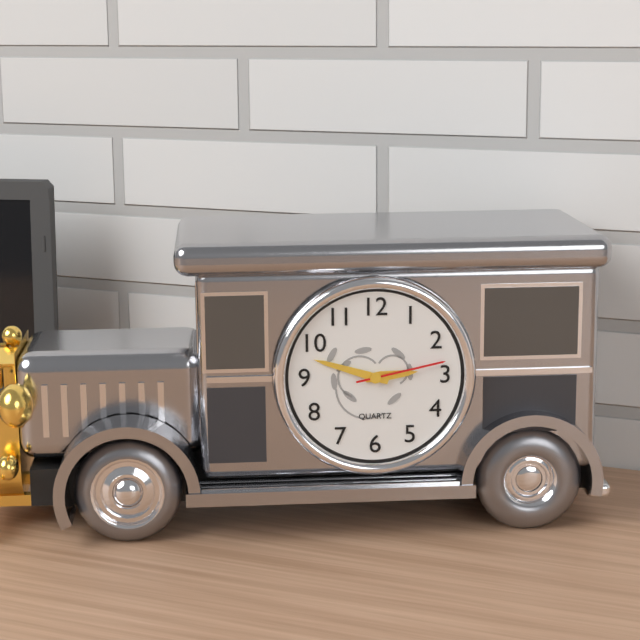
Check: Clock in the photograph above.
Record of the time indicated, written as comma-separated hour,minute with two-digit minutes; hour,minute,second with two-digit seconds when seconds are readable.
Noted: 2,48,13
